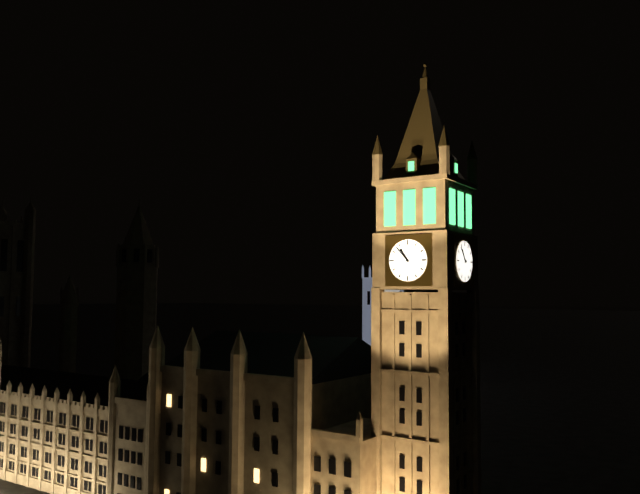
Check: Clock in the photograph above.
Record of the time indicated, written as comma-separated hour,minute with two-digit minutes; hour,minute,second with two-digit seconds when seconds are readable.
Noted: 10,53
